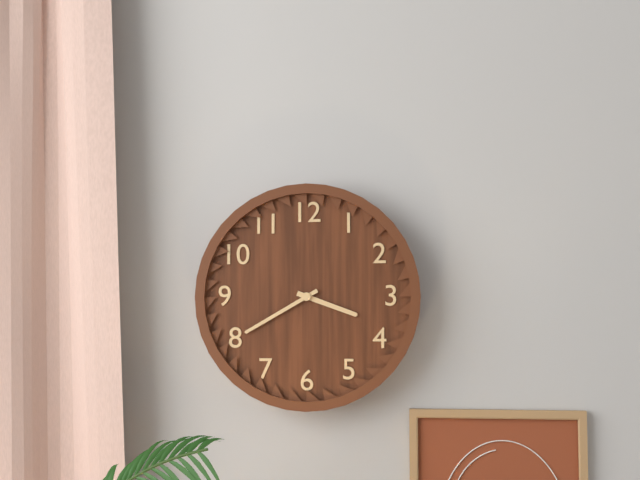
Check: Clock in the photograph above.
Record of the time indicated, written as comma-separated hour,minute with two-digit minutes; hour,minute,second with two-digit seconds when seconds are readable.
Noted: 3,40
